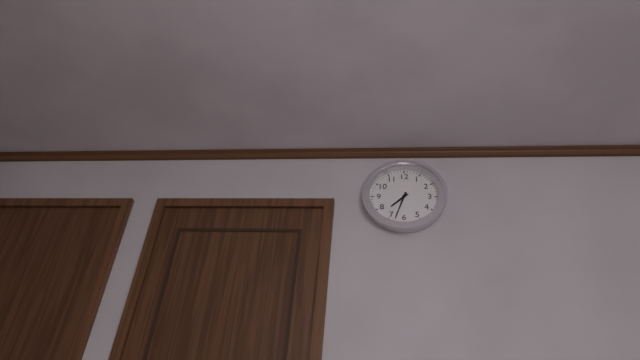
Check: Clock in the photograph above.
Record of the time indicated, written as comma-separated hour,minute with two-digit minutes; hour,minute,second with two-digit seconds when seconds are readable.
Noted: 7,33
